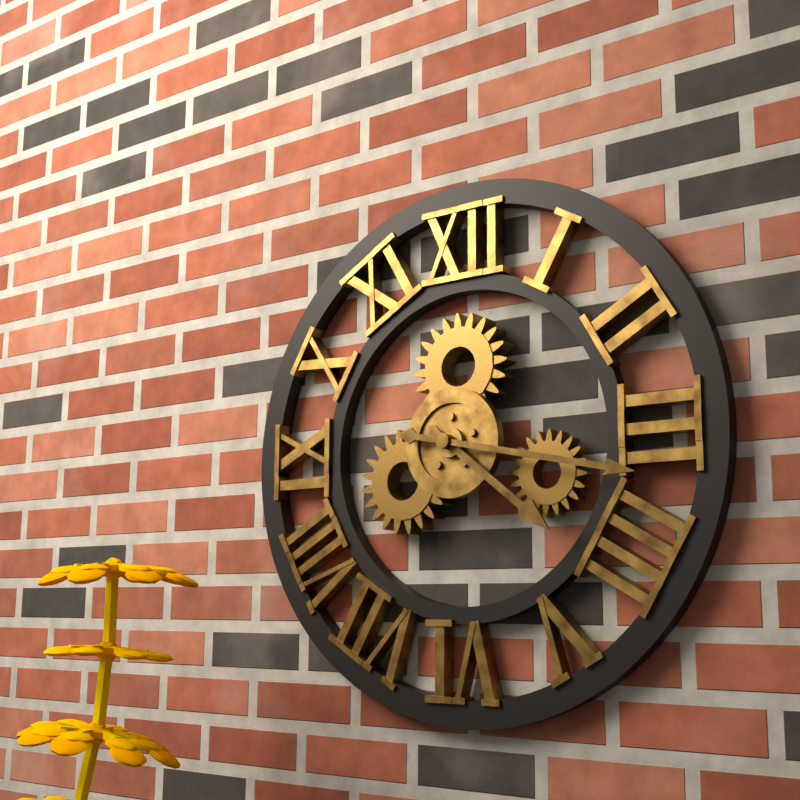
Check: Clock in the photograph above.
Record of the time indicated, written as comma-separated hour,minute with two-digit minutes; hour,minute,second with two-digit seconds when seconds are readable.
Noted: 4,17
